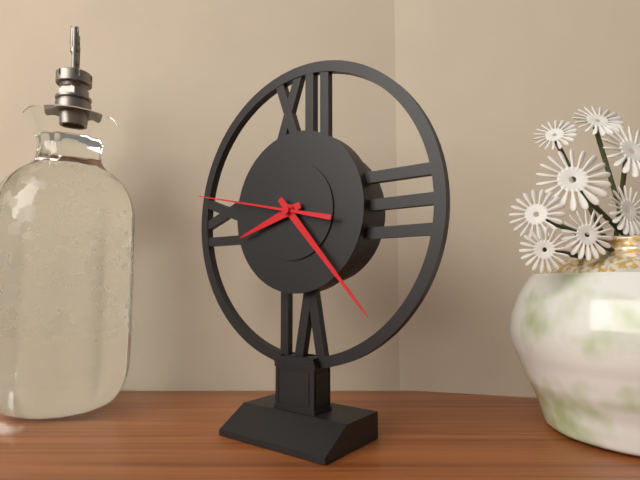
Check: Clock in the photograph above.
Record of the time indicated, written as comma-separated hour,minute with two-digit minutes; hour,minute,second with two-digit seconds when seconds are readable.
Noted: 8,23,47
